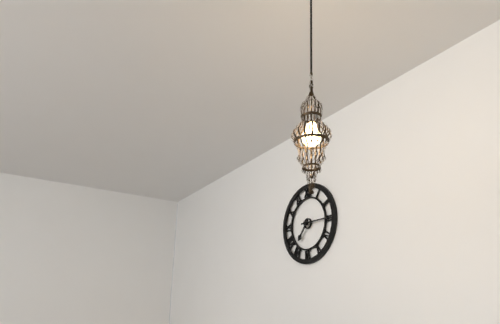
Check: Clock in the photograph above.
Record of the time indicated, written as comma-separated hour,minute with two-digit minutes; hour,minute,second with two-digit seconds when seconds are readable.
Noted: 7,15
